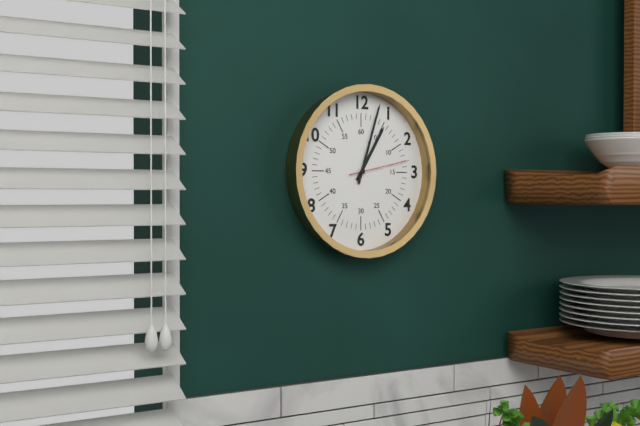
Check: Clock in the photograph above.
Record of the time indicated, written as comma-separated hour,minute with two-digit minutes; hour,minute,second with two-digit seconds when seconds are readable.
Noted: 1,03,13
